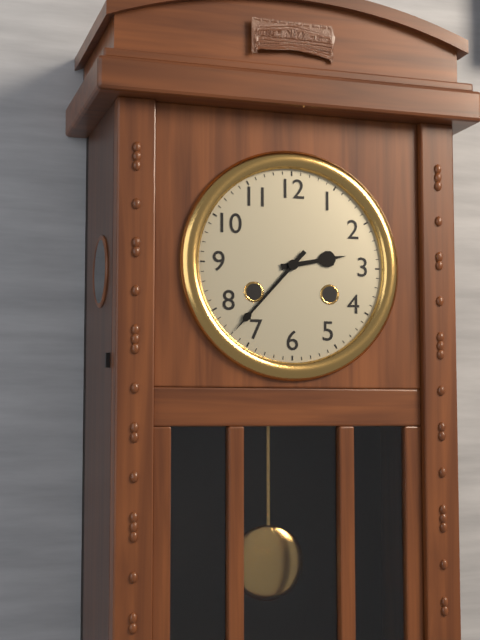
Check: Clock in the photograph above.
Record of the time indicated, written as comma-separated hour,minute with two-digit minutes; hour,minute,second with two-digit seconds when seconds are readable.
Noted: 2,37
